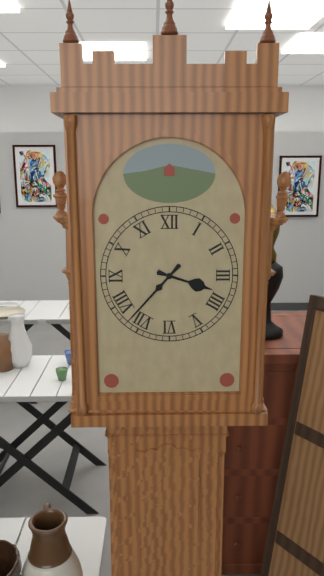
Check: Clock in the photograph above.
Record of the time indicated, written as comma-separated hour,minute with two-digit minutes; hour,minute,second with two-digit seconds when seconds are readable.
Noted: 3,37
